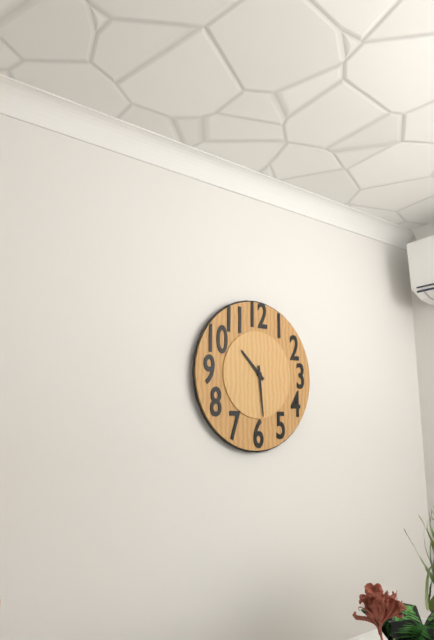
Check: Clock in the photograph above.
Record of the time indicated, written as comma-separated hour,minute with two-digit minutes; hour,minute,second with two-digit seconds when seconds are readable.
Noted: 10,29
